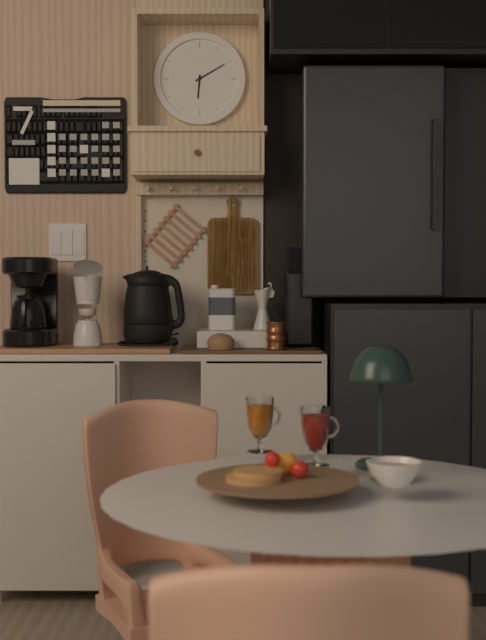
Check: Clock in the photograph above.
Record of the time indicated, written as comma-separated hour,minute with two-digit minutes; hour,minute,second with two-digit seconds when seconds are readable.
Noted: 6,10
